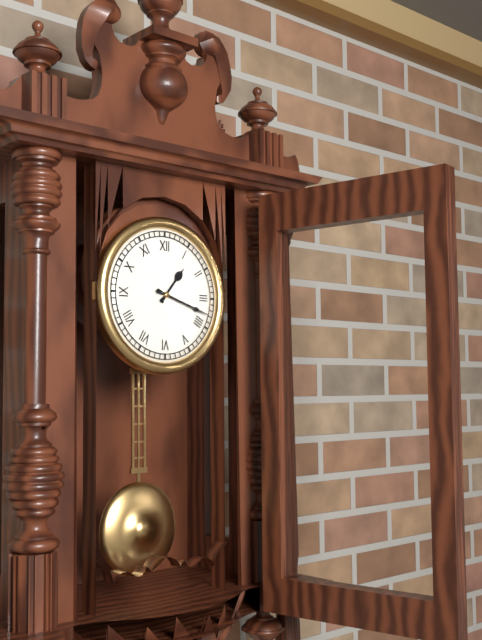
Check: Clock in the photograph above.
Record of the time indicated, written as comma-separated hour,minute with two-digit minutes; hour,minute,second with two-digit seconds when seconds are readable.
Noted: 1,18
